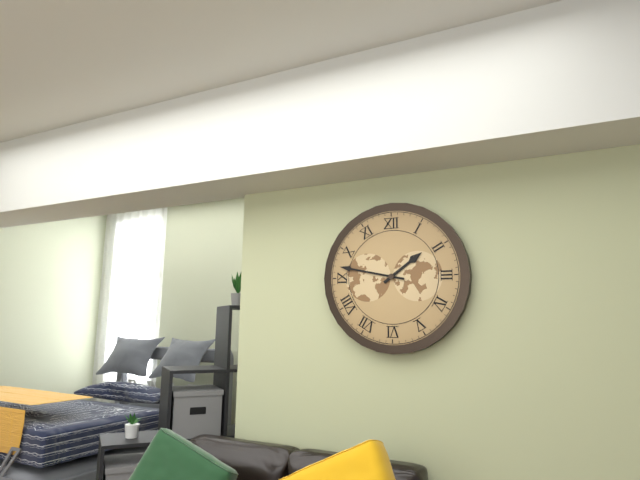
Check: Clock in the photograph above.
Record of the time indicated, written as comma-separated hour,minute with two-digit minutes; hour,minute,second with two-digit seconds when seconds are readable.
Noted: 1,47
